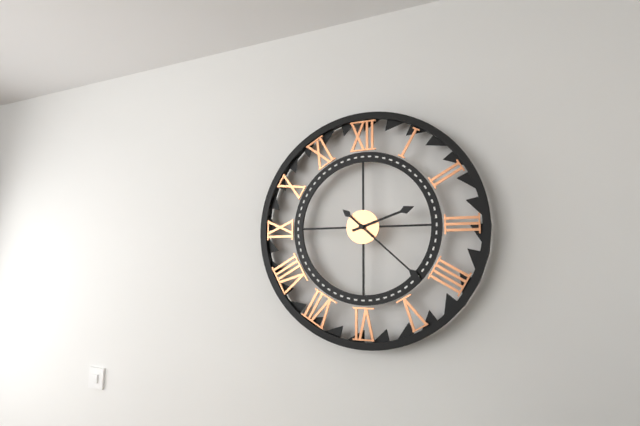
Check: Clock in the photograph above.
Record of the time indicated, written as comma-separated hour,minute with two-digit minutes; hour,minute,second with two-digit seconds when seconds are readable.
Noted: 2,22
